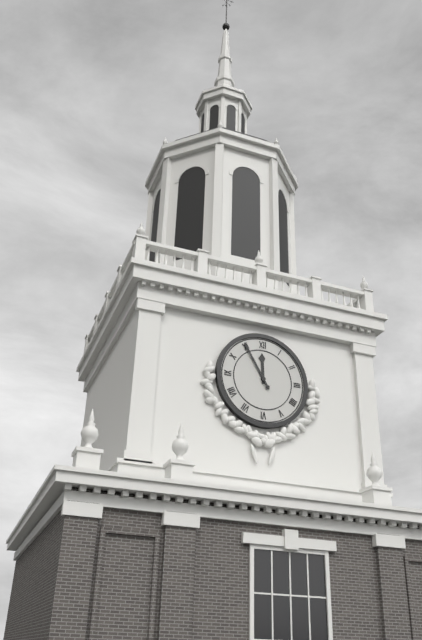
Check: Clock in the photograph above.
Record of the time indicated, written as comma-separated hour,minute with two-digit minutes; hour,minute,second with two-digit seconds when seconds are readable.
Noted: 11,55
